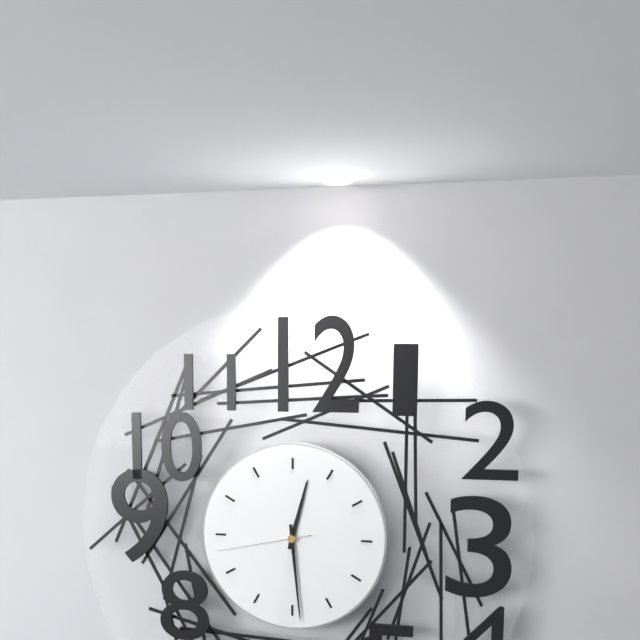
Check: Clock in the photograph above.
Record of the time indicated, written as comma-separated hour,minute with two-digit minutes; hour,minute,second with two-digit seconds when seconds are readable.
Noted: 12,29,43
